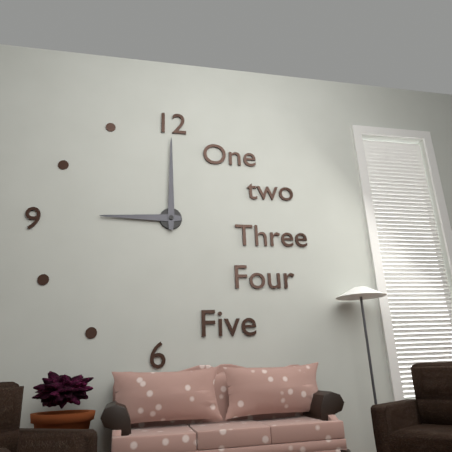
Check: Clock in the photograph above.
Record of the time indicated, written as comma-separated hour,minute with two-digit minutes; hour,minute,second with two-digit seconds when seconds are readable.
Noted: 9,00
